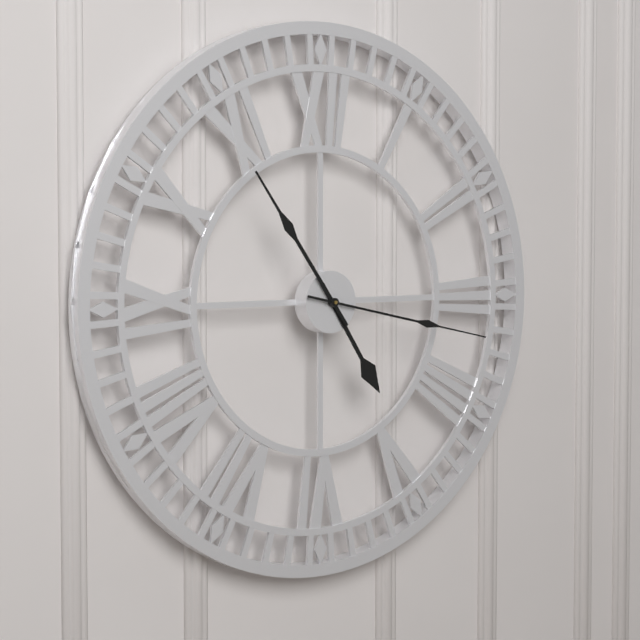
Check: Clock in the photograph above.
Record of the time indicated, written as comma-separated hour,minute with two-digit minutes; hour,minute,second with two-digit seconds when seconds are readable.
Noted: 4,54,17
